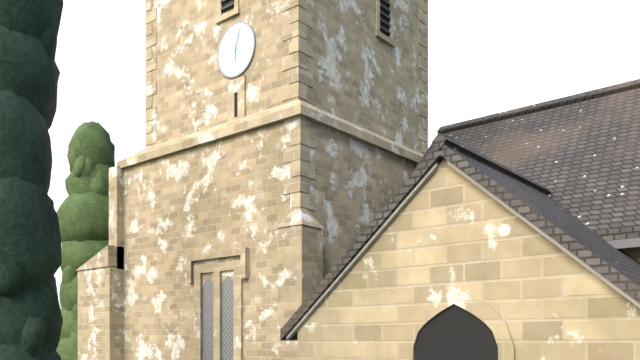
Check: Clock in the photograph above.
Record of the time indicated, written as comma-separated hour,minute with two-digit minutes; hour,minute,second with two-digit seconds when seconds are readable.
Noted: 6,03
